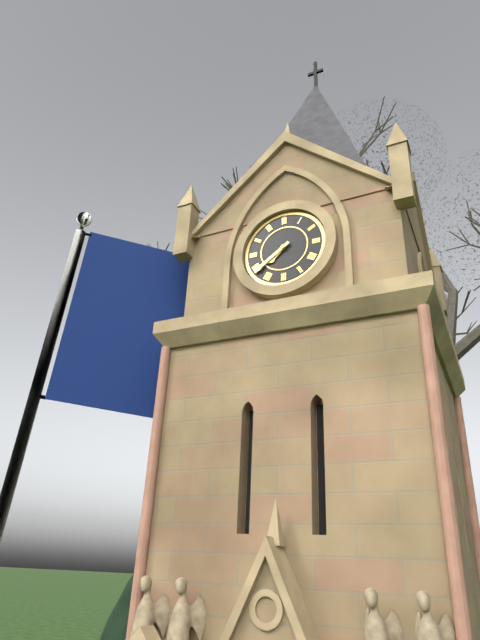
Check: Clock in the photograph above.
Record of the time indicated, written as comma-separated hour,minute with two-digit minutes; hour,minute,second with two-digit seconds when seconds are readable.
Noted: 7,39
